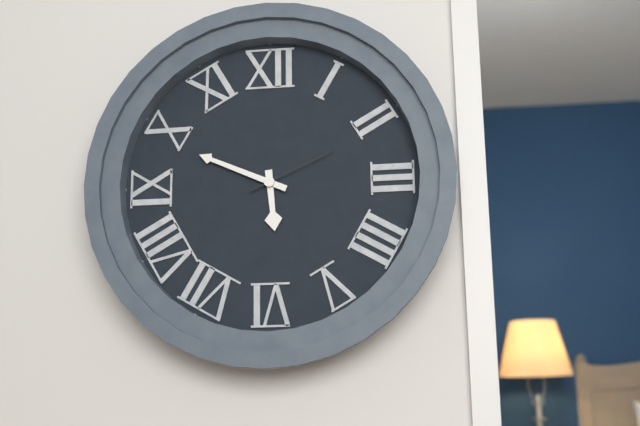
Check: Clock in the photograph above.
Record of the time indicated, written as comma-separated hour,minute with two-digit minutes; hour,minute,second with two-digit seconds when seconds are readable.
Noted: 5,49,11
